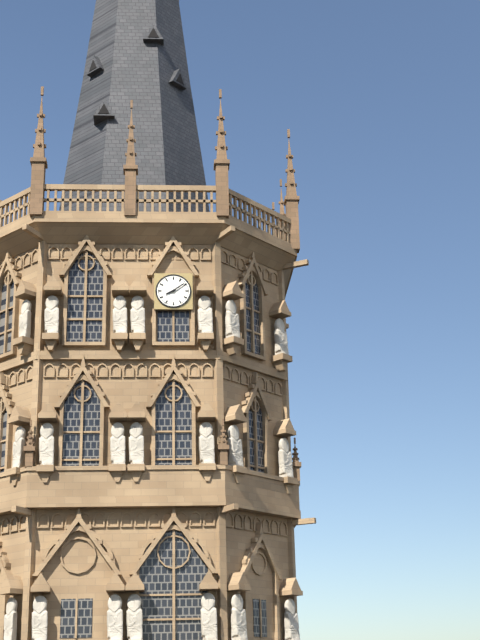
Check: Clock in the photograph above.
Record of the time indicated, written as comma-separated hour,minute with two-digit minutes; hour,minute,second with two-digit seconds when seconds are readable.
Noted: 8,09
